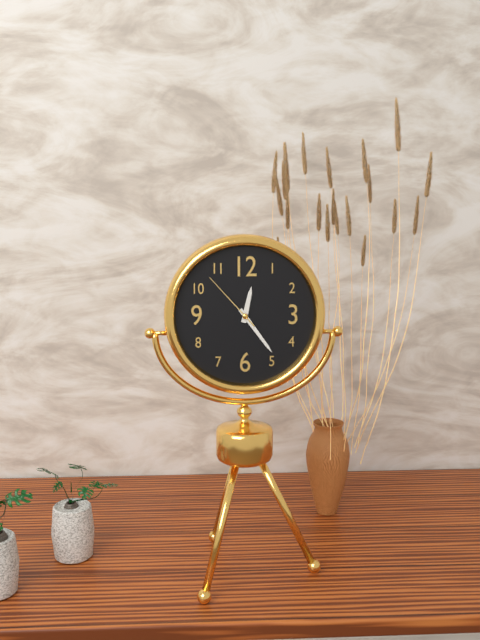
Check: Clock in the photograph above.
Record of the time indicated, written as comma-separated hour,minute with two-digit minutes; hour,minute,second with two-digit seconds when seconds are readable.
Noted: 12,24,53
